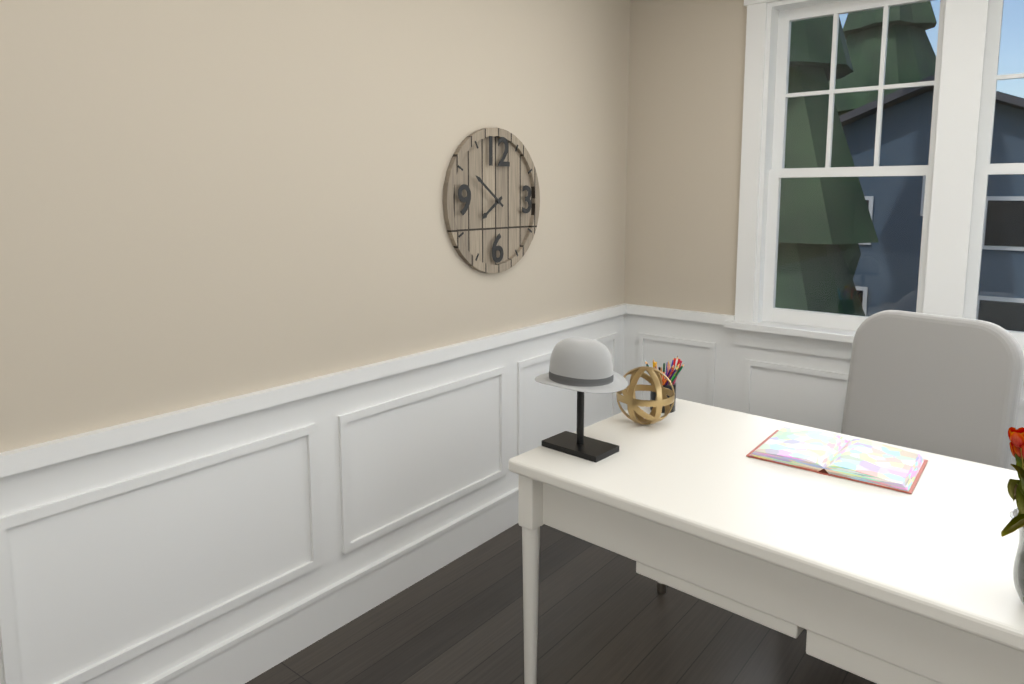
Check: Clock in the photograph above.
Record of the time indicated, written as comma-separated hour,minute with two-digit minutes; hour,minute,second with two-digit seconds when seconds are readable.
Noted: 7,51
